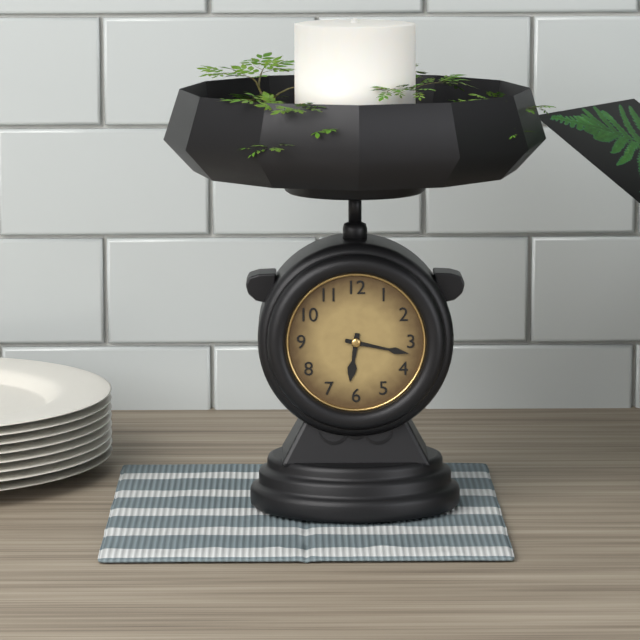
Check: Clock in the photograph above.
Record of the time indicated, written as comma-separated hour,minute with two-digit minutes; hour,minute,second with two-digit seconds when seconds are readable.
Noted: 6,17
